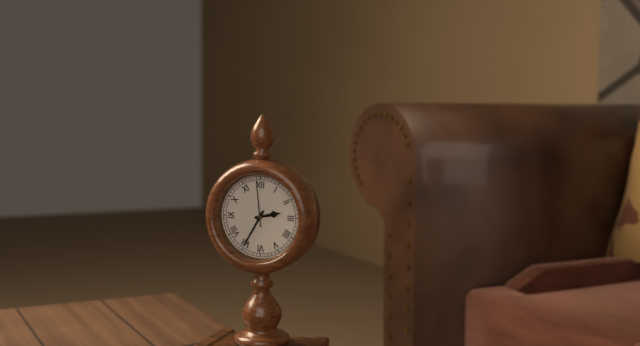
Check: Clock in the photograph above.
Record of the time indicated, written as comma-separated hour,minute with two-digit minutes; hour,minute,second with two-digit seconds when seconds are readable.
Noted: 2,35
